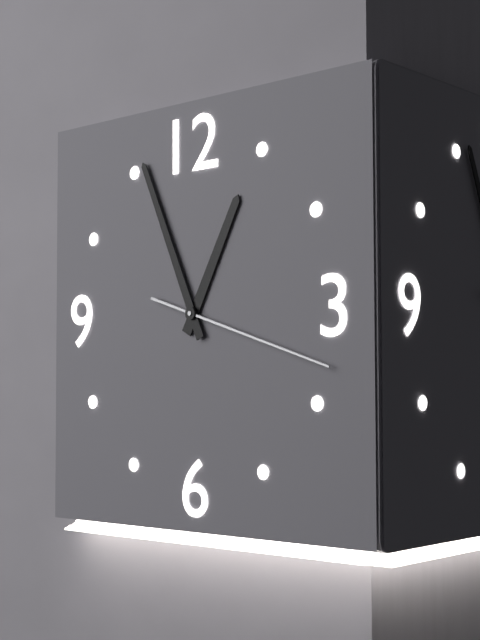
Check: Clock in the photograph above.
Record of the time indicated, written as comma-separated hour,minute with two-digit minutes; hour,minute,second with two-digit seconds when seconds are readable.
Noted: 12,56,18
